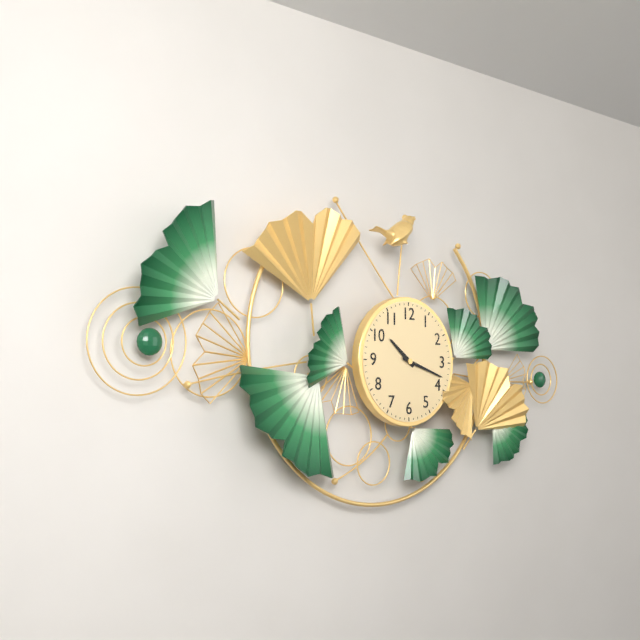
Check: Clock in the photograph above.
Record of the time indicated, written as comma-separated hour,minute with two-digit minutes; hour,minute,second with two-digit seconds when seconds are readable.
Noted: 10,18
